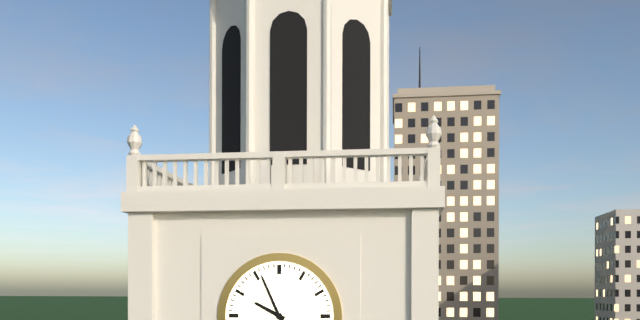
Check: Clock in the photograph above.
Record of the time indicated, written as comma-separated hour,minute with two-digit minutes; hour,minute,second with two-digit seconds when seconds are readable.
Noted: 9,56
